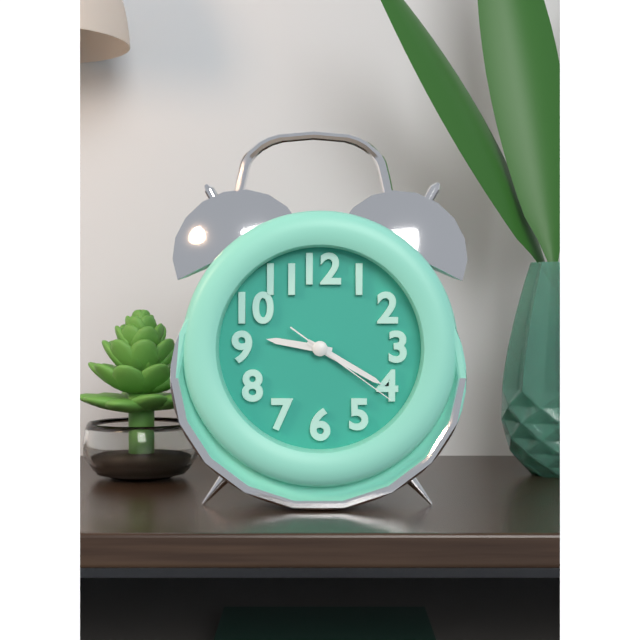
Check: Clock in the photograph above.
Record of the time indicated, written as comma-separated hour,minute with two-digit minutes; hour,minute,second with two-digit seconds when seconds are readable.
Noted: 9,20,21
